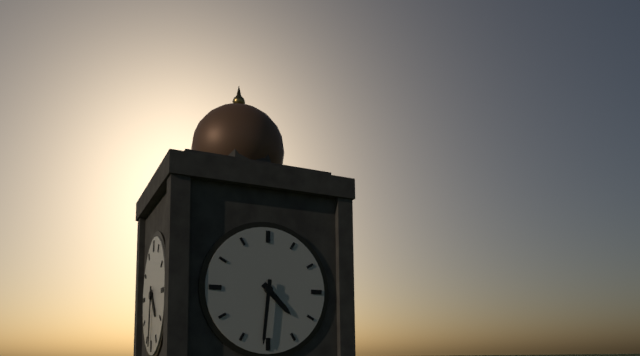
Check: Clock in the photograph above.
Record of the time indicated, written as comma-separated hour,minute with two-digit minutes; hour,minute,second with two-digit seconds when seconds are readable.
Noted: 4,31
